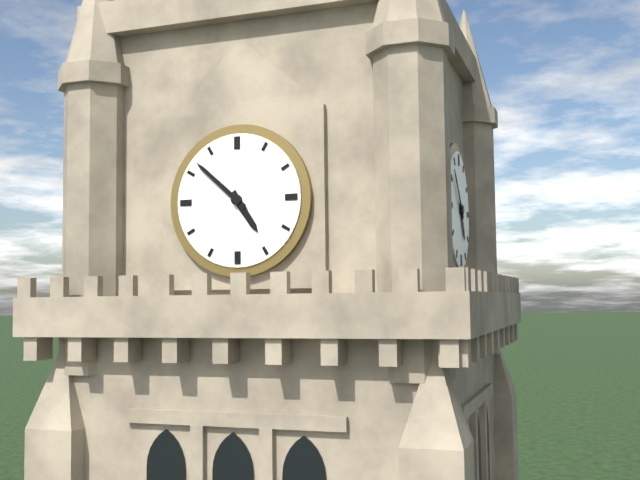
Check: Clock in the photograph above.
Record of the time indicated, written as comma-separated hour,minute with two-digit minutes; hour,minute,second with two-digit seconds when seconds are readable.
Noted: 4,52
